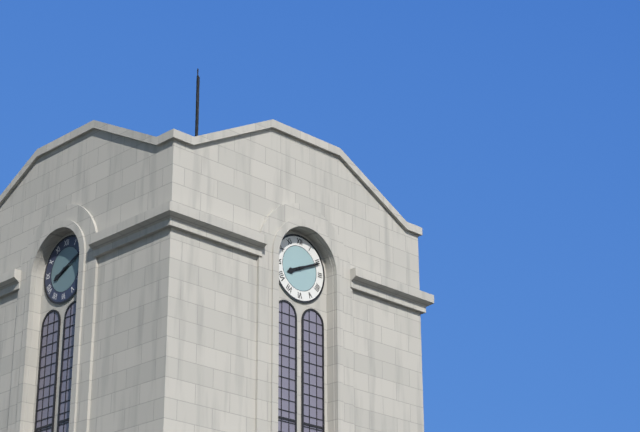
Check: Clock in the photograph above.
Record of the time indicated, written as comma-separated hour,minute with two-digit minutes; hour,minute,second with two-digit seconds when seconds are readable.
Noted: 8,11
